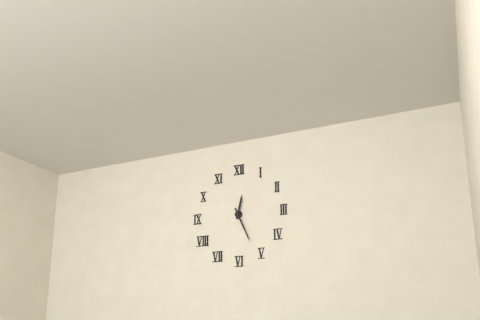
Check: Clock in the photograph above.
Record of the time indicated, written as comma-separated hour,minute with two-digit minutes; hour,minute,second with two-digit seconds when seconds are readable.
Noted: 12,26
